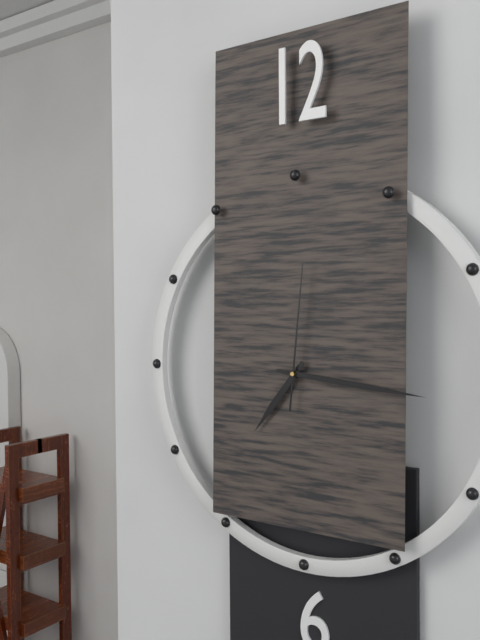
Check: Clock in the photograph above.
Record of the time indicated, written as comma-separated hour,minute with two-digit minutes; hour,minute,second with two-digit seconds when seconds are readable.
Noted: 7,16,01
